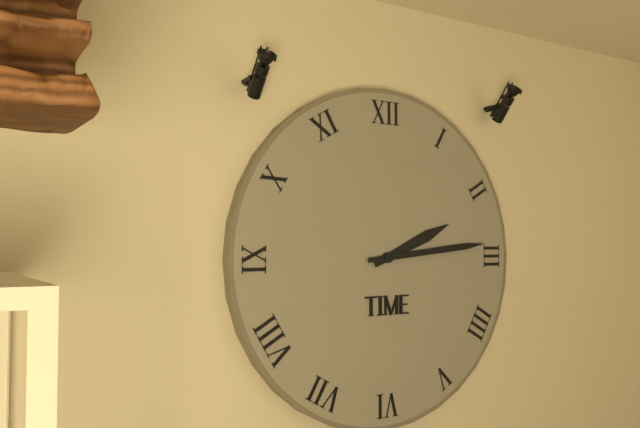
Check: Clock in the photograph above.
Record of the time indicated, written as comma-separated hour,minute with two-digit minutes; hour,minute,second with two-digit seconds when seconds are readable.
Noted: 2,14
